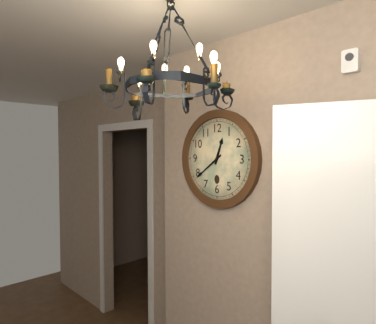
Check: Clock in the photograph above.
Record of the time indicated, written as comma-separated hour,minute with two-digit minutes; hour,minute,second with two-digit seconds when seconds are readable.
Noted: 12,39
